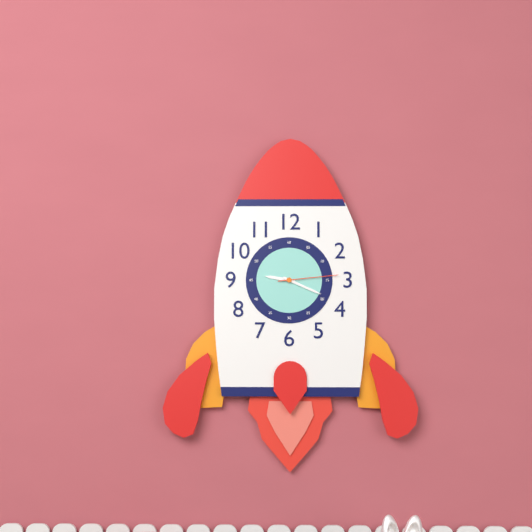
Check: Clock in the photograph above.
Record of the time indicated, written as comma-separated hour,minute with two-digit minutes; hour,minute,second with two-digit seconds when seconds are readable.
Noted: 9,19,14
